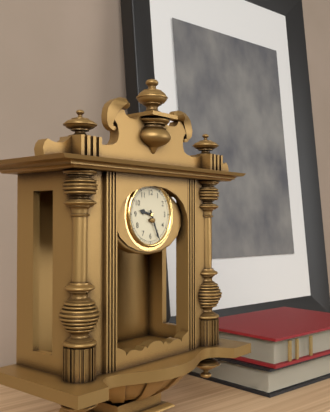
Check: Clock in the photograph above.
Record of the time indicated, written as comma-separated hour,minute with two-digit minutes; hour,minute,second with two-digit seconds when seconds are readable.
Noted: 9,26
